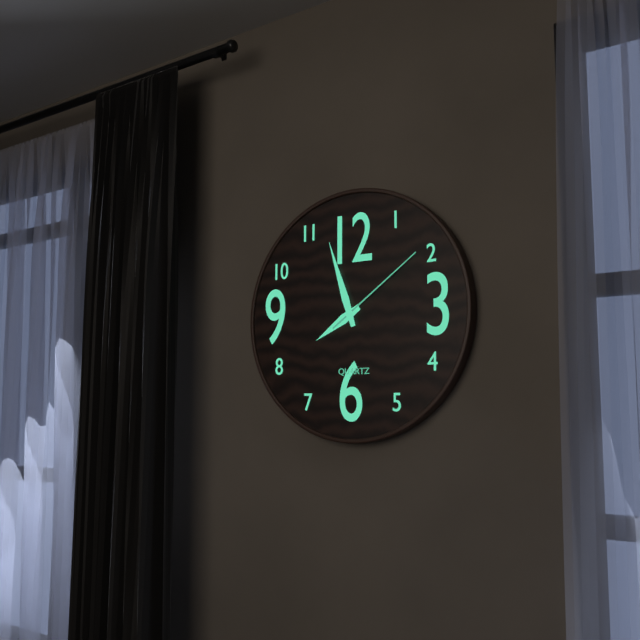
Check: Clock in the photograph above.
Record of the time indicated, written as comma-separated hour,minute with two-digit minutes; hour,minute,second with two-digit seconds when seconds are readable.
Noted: 7,57,09
